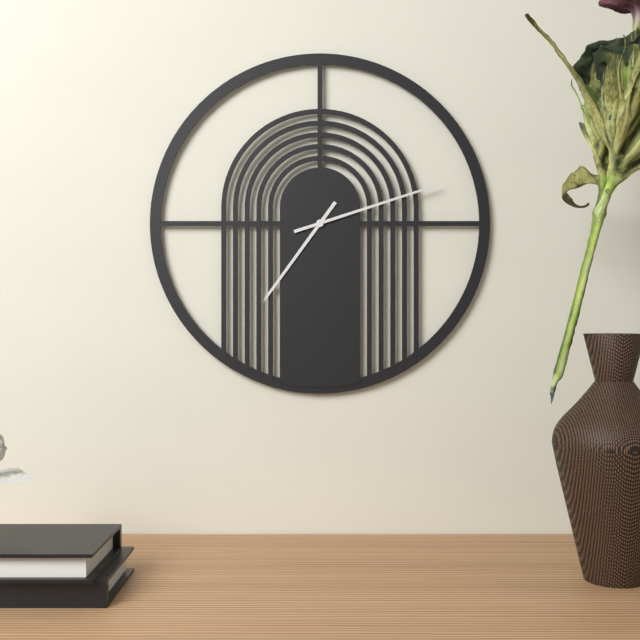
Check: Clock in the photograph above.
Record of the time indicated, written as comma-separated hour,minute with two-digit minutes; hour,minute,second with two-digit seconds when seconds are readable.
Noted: 7,12
